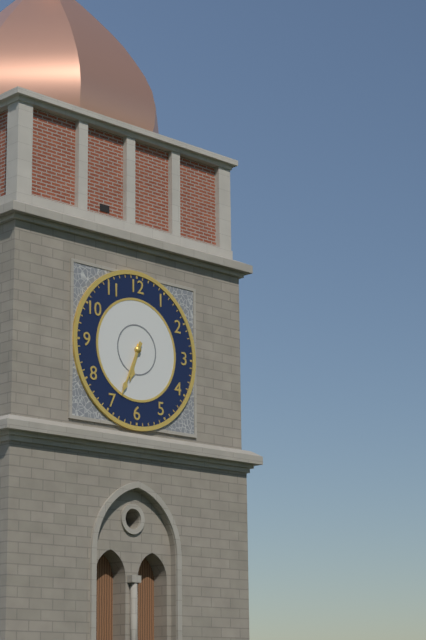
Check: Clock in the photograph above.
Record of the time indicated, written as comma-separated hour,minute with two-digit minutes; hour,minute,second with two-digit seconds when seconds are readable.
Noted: 6,34
